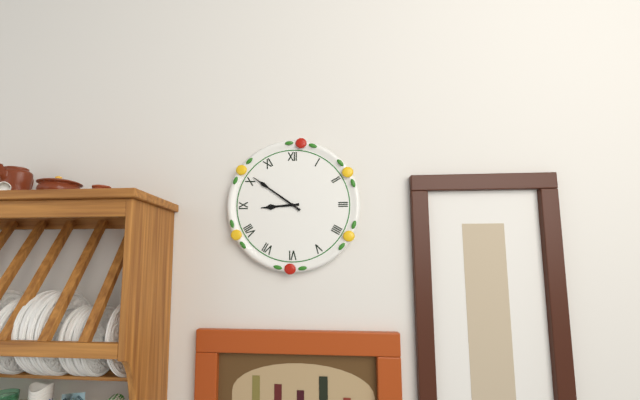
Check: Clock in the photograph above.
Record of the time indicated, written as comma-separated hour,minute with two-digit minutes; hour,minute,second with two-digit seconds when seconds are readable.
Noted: 8,51
